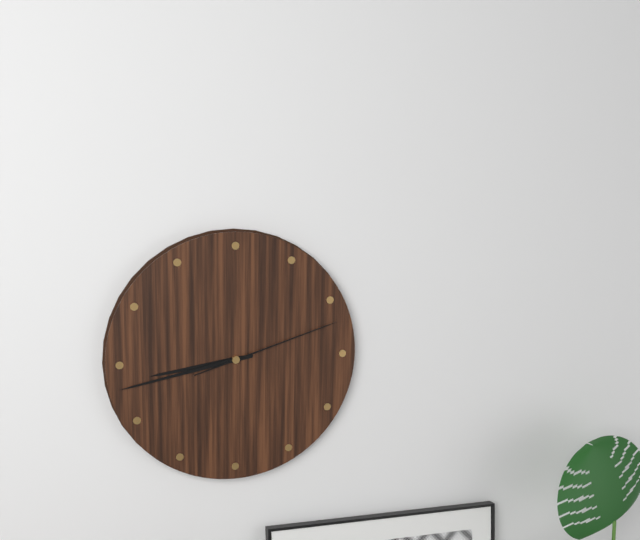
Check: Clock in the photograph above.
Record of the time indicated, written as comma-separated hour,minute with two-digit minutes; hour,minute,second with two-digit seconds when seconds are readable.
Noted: 8,43,12
